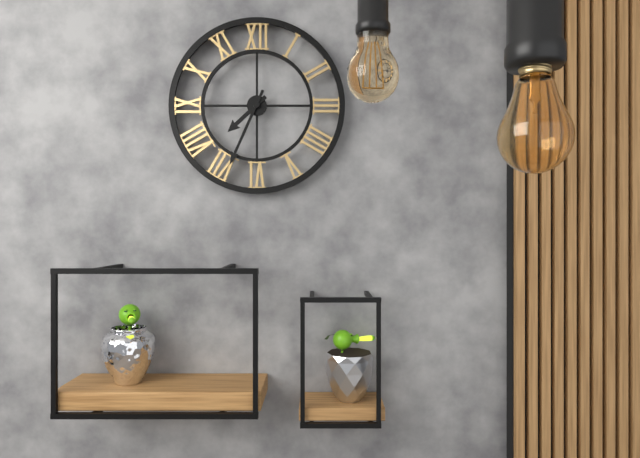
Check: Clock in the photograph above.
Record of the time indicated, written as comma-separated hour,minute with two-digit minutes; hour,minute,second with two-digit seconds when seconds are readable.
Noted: 7,34
